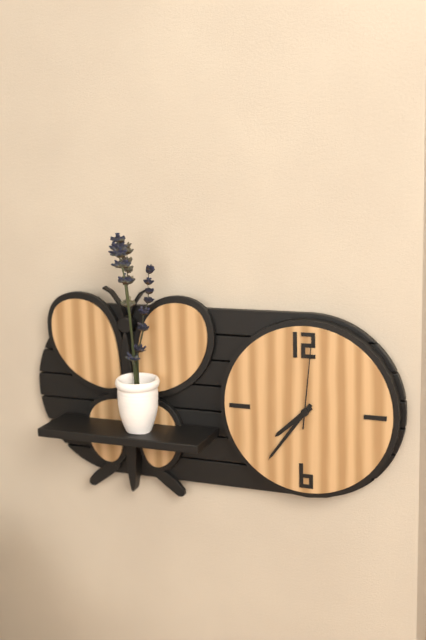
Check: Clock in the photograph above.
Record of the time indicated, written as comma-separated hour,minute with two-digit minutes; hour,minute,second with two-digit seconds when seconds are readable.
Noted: 7,36,01
